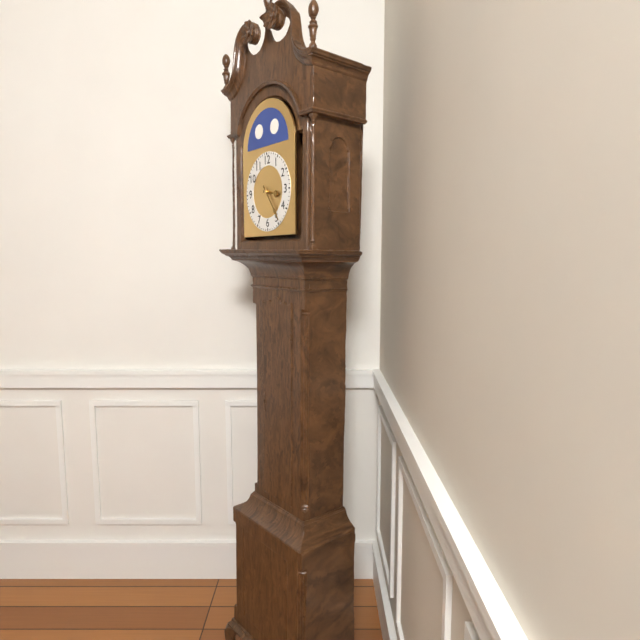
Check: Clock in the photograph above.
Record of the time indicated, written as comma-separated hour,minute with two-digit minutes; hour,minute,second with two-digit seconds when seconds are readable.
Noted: 3,24
